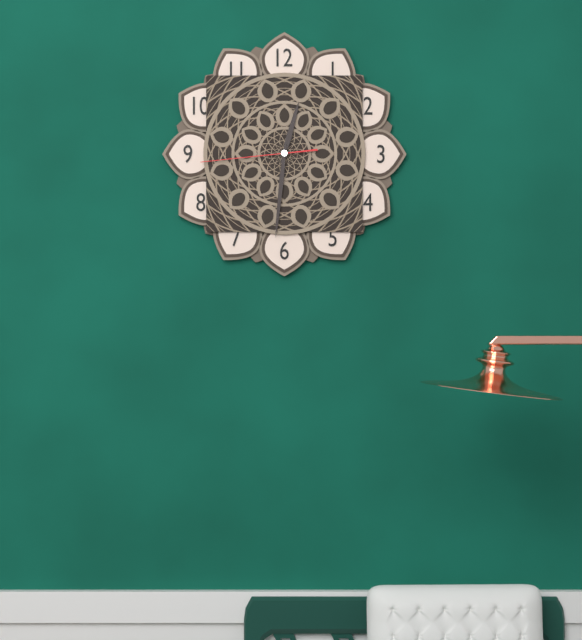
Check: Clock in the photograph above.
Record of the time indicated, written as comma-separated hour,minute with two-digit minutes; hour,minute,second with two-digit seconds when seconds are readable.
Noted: 12,31,44
